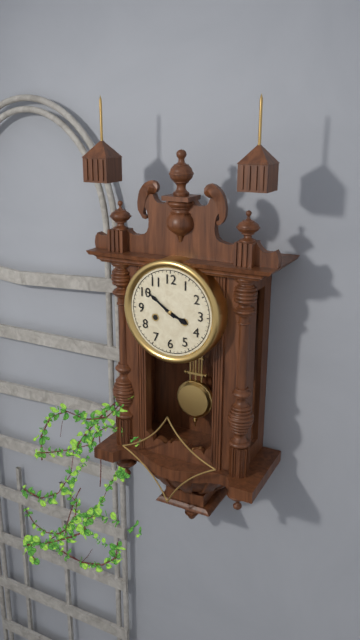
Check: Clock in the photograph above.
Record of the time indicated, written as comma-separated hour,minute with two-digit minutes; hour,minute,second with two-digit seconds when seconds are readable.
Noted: 3,51
